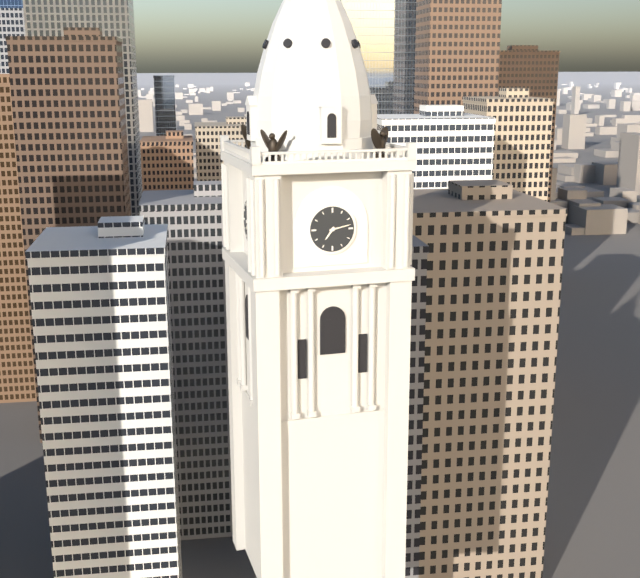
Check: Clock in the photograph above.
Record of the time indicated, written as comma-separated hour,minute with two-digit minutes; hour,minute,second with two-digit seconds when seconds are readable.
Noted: 7,13
